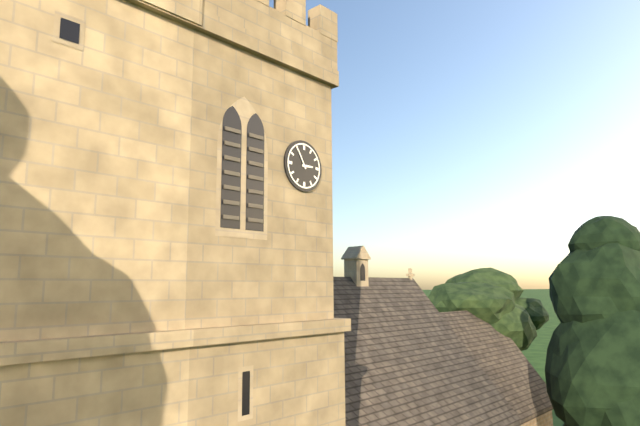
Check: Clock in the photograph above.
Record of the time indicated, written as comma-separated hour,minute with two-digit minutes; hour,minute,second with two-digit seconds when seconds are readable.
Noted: 2,55
